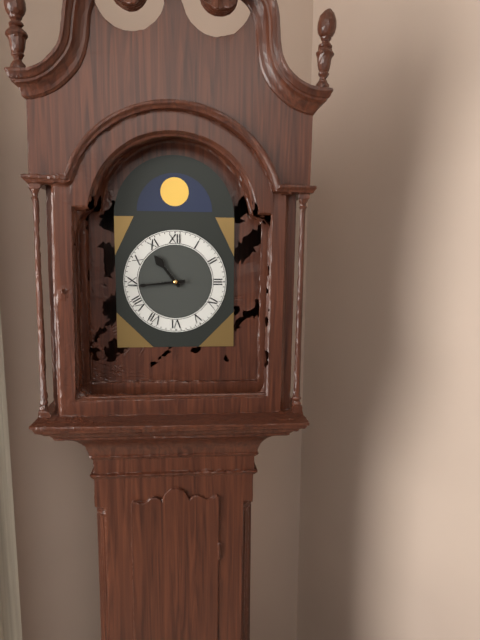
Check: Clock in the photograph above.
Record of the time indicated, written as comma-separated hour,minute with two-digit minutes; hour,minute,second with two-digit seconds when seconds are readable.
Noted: 10,44
